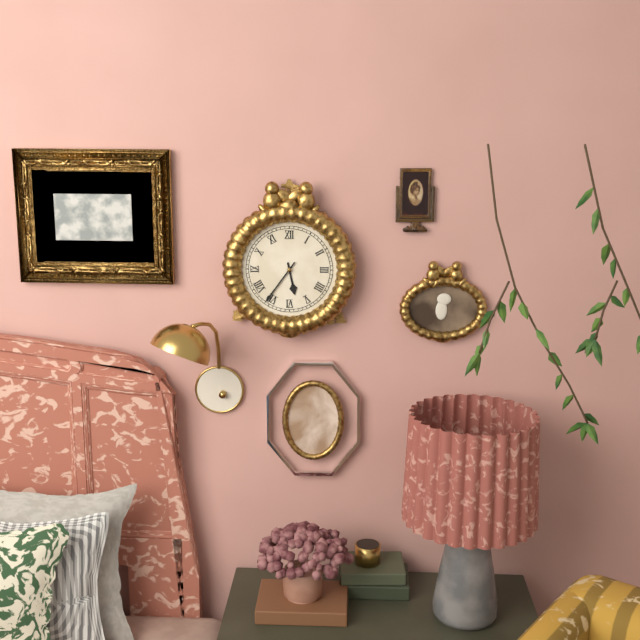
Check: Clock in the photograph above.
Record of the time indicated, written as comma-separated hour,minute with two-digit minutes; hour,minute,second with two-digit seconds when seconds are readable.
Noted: 5,36
